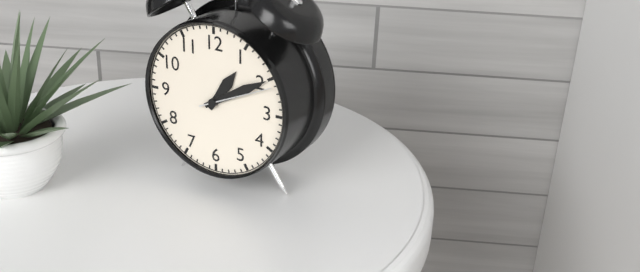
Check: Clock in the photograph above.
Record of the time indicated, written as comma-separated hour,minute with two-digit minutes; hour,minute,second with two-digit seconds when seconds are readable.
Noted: 1,10
